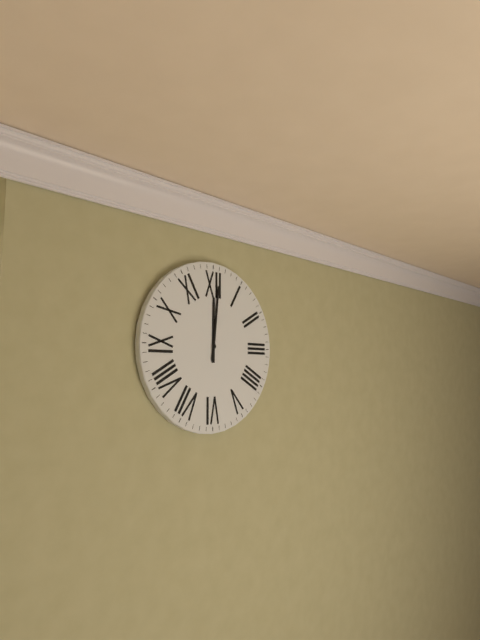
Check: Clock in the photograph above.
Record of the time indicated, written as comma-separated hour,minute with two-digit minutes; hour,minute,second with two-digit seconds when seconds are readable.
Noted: 12,01
